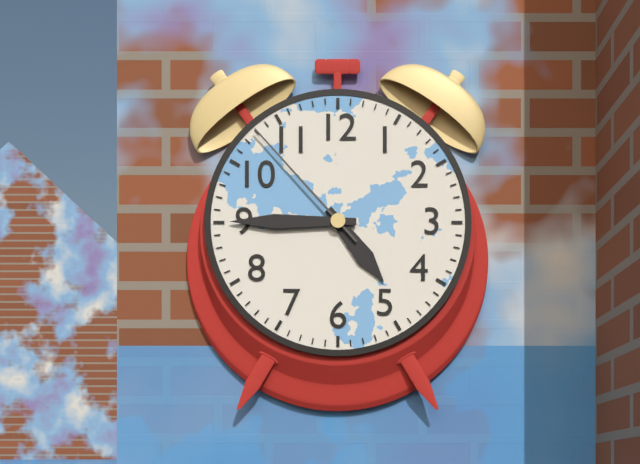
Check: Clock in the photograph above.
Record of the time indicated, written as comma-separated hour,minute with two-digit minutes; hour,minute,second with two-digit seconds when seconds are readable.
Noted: 4,45,53
